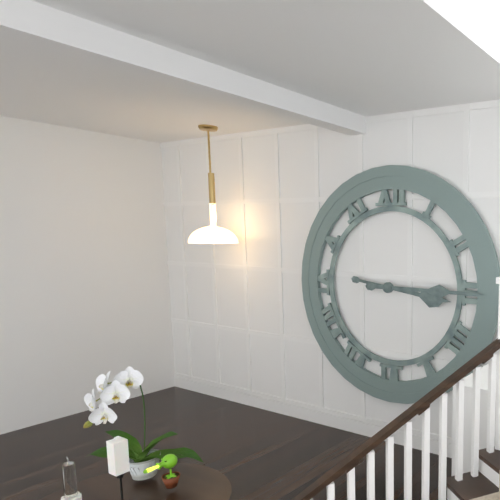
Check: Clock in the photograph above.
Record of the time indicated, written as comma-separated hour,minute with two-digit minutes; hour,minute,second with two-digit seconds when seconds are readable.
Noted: 3,15
